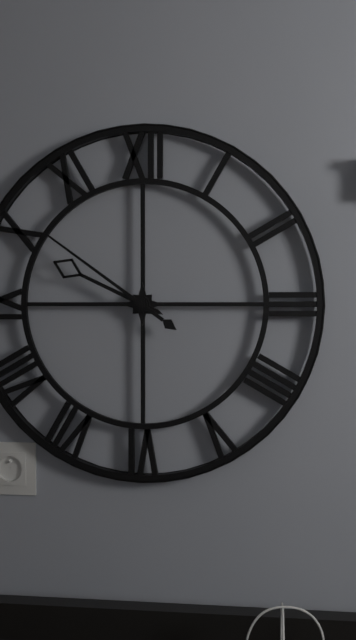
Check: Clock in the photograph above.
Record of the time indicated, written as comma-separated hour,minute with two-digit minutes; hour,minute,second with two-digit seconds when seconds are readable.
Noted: 9,51
